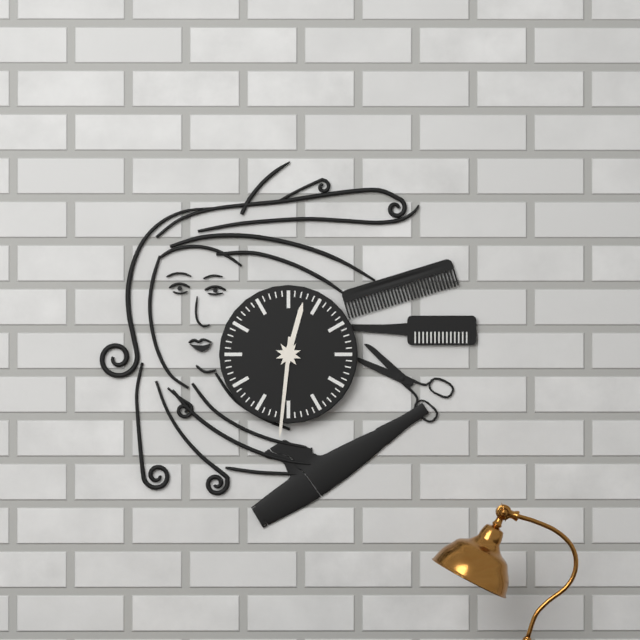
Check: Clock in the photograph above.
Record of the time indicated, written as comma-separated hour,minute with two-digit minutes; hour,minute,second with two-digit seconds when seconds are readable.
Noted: 12,31
